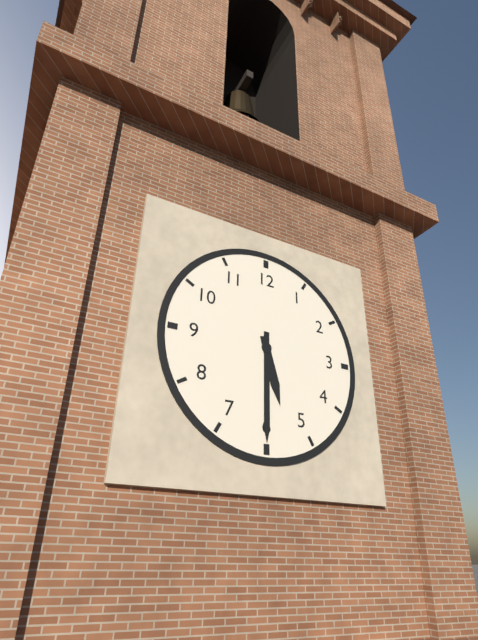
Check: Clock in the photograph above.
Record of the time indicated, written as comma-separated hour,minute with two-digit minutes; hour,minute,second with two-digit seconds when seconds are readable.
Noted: 5,30
